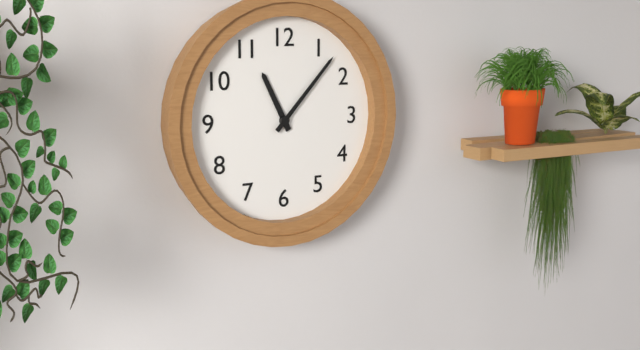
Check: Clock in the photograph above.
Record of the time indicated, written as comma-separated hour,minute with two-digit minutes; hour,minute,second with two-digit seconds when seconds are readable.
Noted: 11,07
